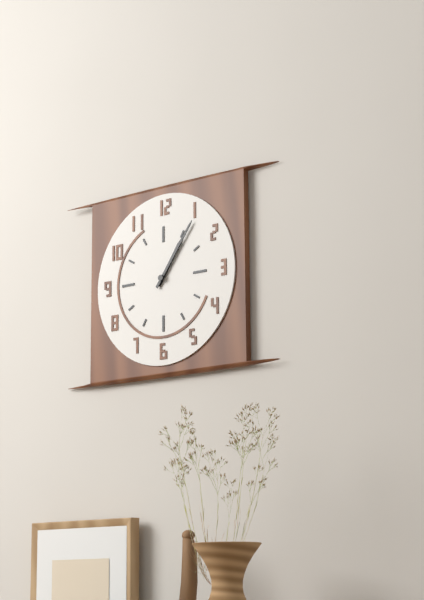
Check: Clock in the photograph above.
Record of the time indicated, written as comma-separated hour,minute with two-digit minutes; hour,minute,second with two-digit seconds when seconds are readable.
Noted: 1,06
